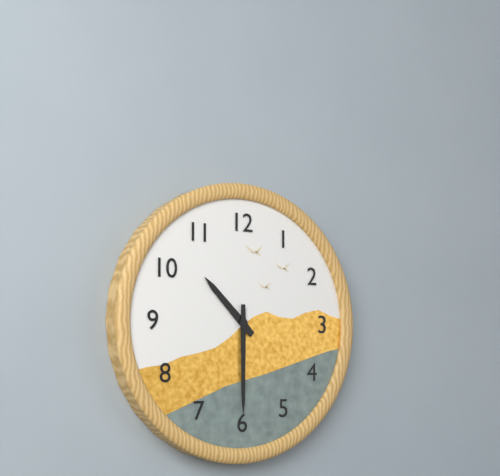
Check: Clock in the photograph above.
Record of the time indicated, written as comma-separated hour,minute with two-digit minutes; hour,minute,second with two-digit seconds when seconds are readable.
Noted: 10,30
